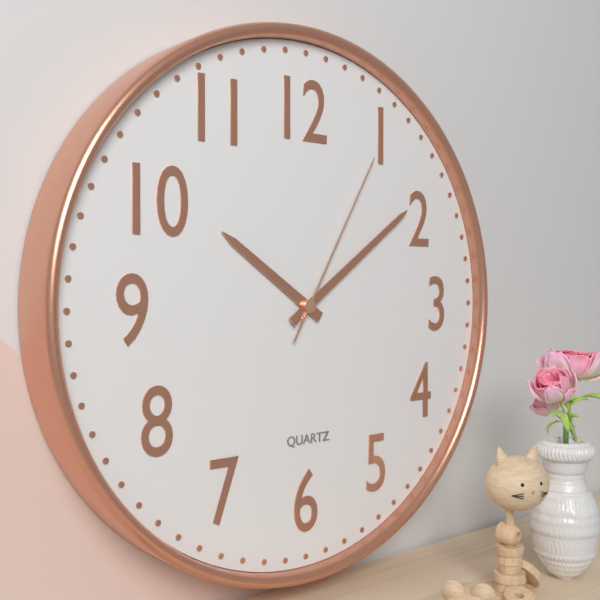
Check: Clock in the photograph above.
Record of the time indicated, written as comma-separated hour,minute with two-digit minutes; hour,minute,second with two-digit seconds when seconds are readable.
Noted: 10,09,05
